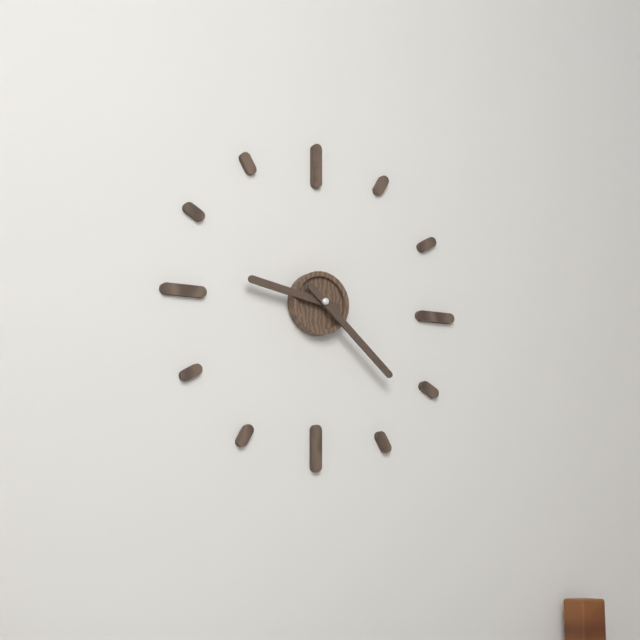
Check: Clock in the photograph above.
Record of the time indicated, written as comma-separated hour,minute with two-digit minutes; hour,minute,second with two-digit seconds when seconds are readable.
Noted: 9,22
